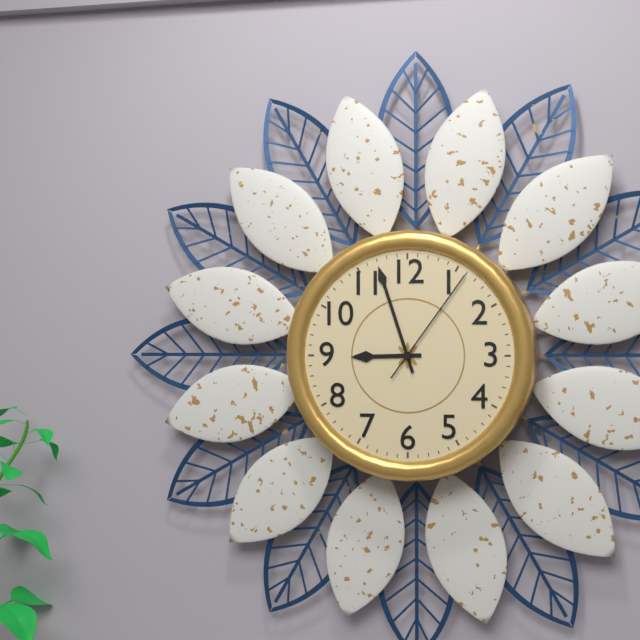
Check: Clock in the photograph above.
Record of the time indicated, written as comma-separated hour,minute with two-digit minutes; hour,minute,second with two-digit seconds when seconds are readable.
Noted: 8,57,06
